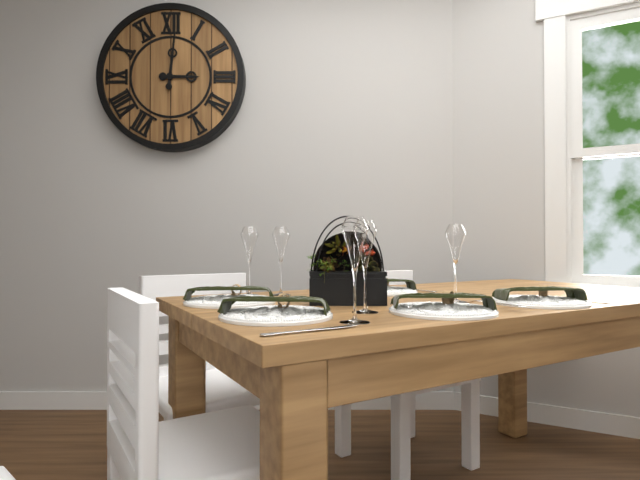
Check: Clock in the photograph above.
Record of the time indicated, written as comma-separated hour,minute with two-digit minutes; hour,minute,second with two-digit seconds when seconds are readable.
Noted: 3,01
